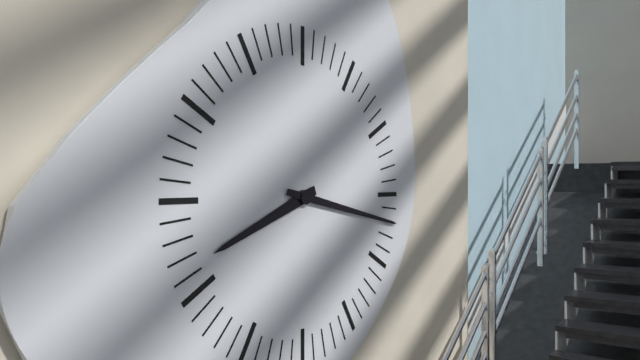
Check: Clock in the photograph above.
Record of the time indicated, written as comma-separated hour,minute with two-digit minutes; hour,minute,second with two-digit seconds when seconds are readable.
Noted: 8,17
